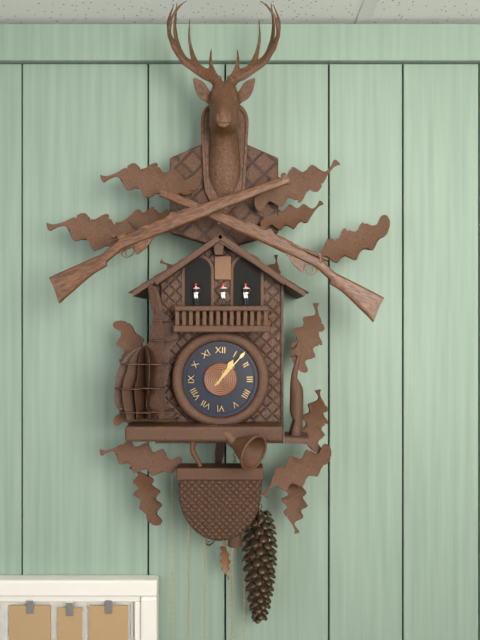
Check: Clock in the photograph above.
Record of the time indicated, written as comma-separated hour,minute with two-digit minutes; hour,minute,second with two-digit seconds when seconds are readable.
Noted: 1,07
